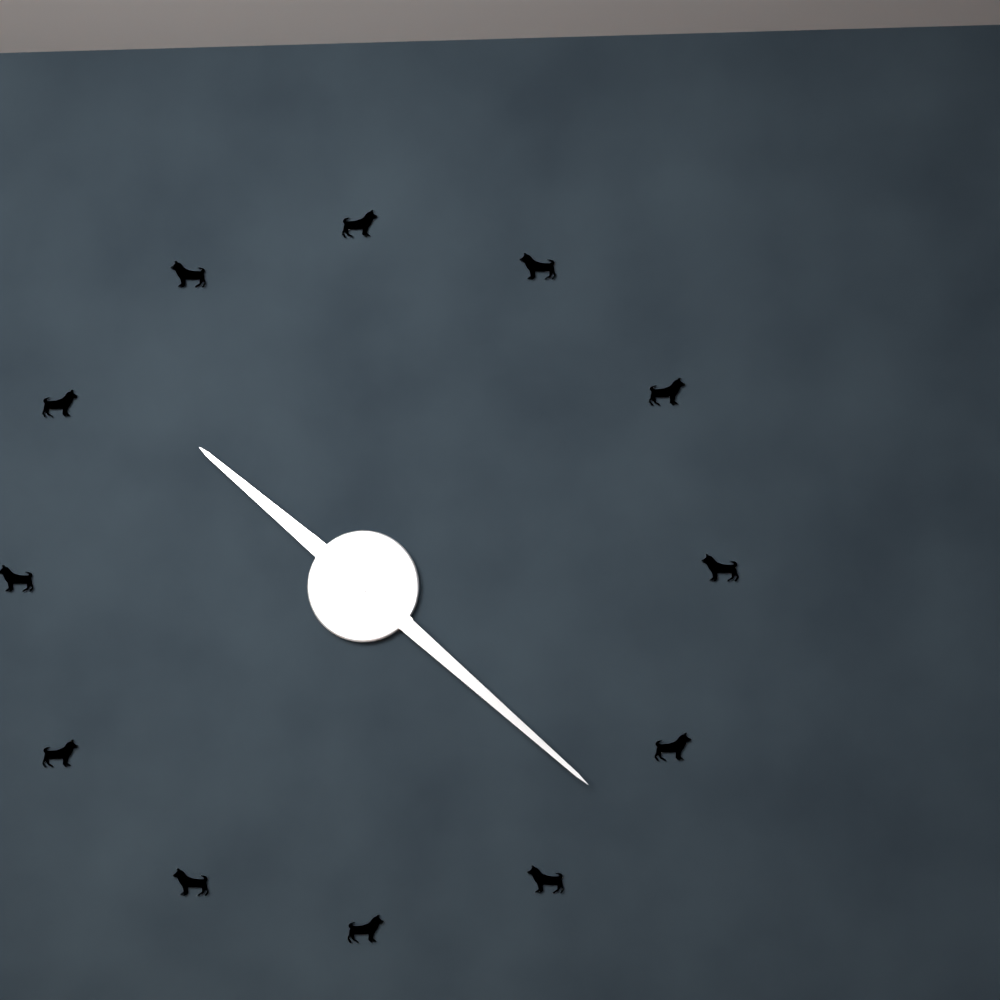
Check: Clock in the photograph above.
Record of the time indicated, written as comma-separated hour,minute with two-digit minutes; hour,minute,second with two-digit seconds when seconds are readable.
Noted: 10,22
